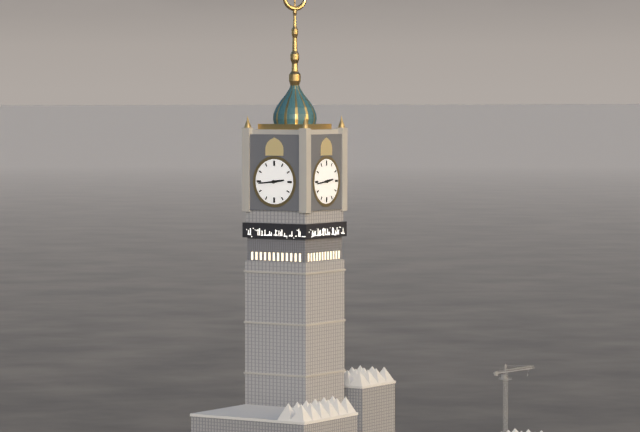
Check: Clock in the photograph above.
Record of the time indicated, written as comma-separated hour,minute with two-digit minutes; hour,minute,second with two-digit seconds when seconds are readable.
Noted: 2,44
